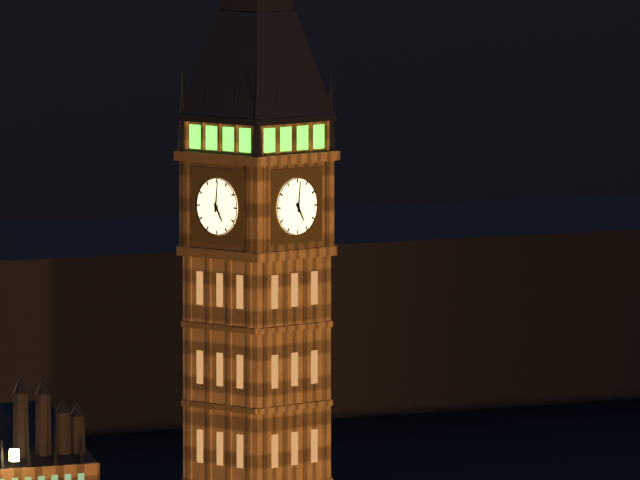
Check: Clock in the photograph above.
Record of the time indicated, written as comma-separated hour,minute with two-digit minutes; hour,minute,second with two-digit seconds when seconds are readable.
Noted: 5,01
